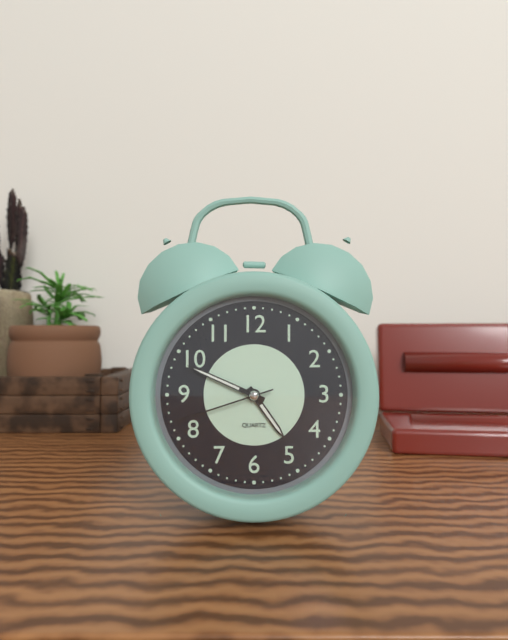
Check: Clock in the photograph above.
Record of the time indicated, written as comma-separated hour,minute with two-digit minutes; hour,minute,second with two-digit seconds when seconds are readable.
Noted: 4,49,42
